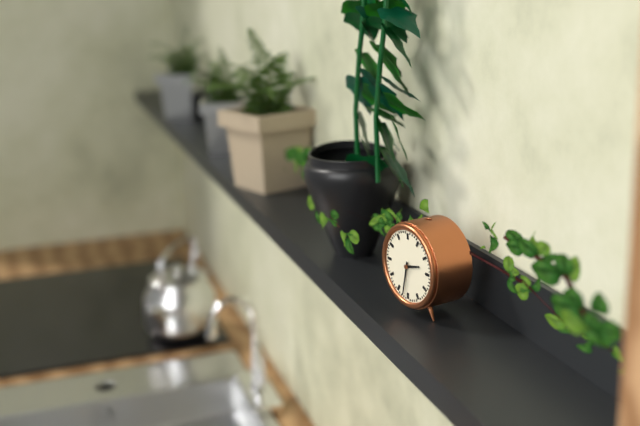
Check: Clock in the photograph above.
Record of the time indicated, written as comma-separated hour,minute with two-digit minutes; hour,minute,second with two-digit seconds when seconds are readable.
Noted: 2,32
